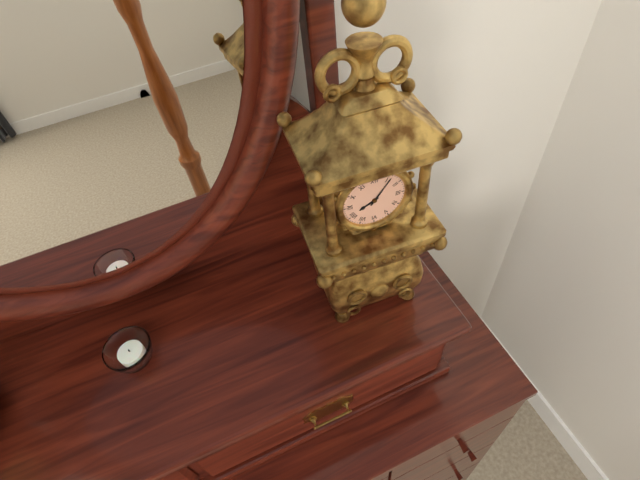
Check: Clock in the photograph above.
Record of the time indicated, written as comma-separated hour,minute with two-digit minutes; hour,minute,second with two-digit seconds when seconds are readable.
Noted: 8,06
